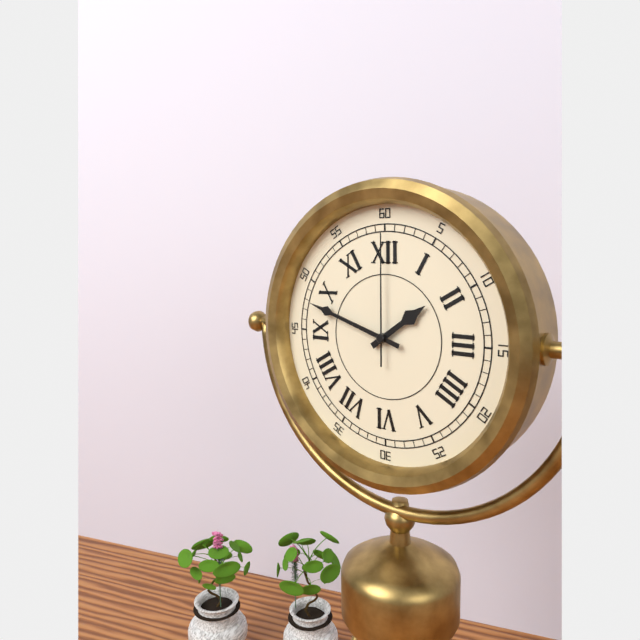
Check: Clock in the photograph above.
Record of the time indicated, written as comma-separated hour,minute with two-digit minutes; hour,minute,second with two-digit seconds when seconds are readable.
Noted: 1,48,00
